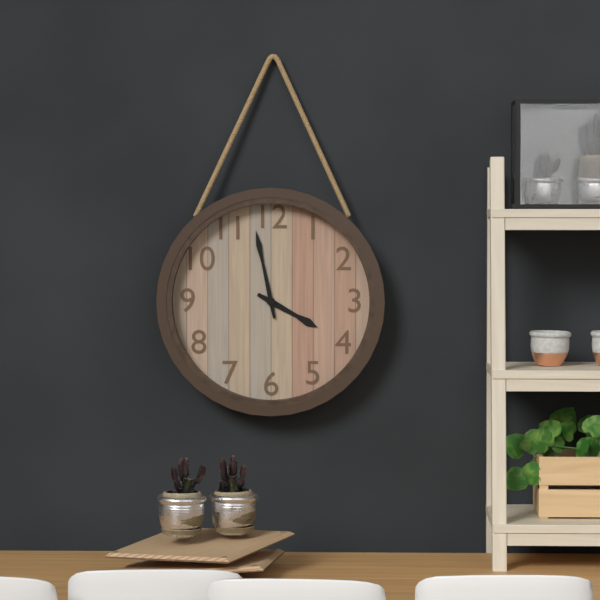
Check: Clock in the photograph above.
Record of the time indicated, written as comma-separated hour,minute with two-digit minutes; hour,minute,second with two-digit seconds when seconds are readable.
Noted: 3,58
